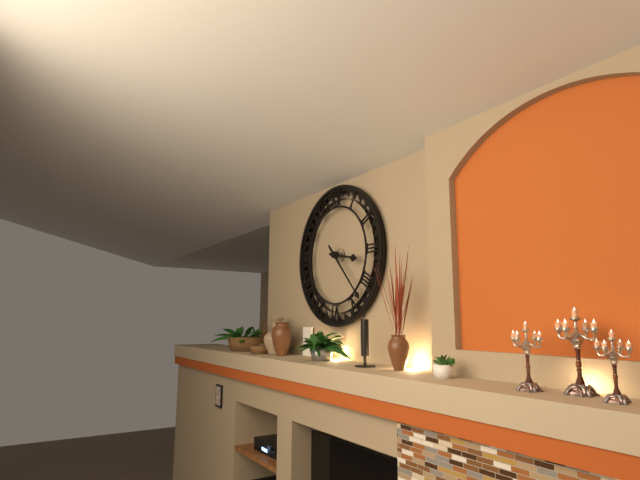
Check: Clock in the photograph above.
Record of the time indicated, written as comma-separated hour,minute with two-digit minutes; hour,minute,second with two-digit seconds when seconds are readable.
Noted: 3,23
